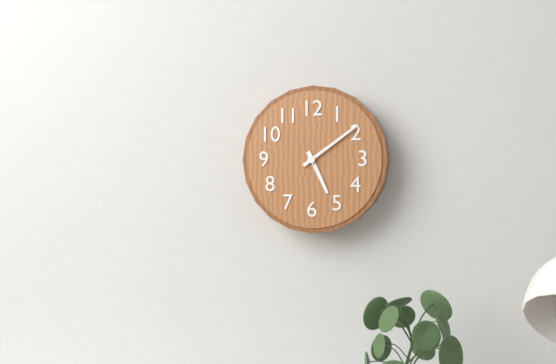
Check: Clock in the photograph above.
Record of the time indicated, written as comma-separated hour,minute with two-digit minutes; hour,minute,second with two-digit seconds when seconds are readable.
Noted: 5,09
